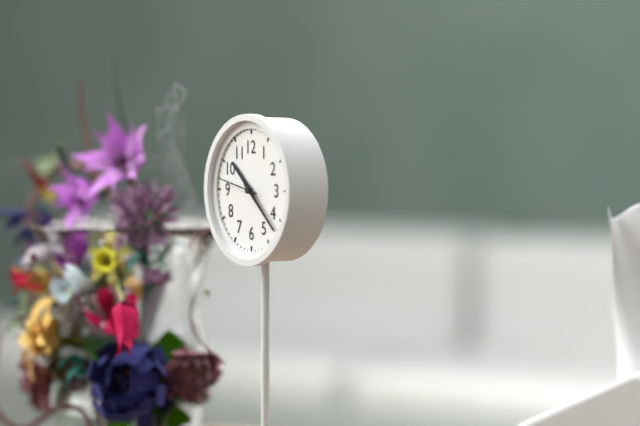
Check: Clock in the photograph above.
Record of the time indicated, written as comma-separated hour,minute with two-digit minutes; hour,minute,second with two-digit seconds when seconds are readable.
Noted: 10,22
